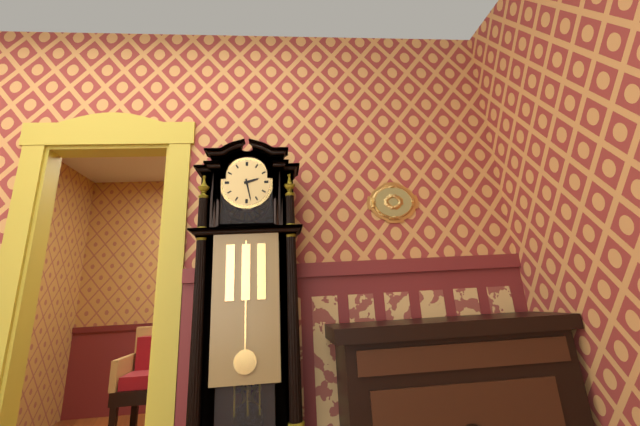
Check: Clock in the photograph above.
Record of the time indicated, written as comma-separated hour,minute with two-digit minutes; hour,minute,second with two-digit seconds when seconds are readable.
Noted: 2,28
